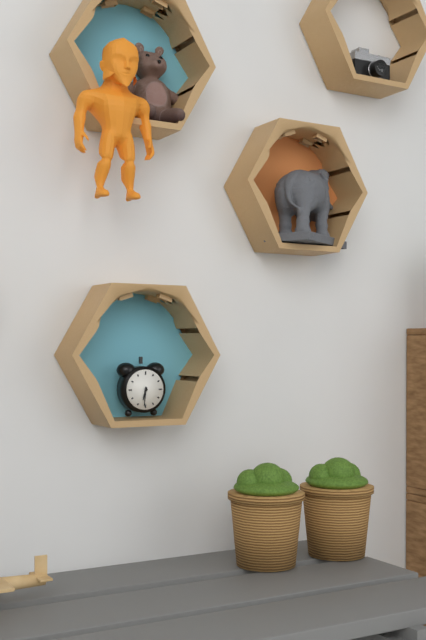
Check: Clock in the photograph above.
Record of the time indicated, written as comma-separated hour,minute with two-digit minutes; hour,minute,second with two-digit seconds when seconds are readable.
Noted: 6,31
